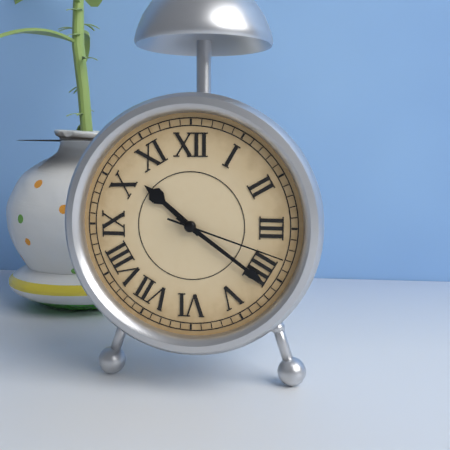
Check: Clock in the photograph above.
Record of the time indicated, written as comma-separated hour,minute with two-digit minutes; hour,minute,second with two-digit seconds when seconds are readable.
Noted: 10,21,18
